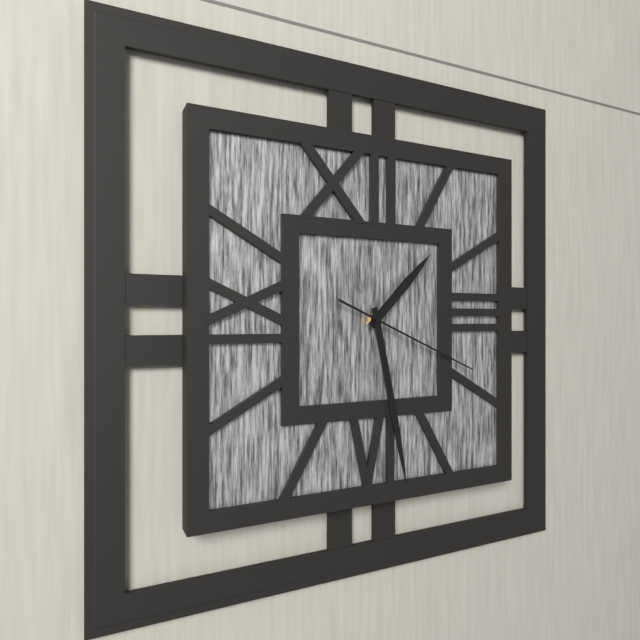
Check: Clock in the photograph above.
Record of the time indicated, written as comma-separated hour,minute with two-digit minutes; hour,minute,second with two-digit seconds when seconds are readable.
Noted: 1,28,19
